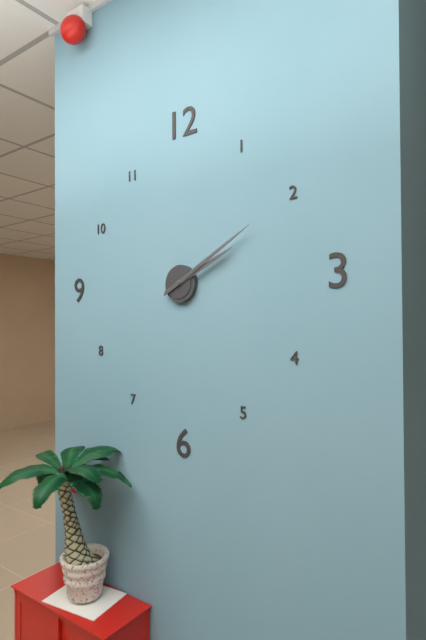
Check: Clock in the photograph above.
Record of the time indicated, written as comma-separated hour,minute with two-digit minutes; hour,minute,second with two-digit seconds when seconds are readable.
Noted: 2,10
